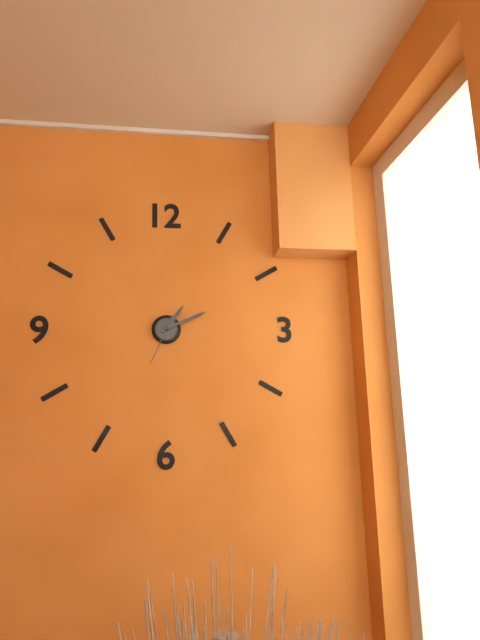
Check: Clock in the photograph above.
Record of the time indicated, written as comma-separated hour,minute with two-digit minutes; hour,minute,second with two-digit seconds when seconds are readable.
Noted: 1,11
